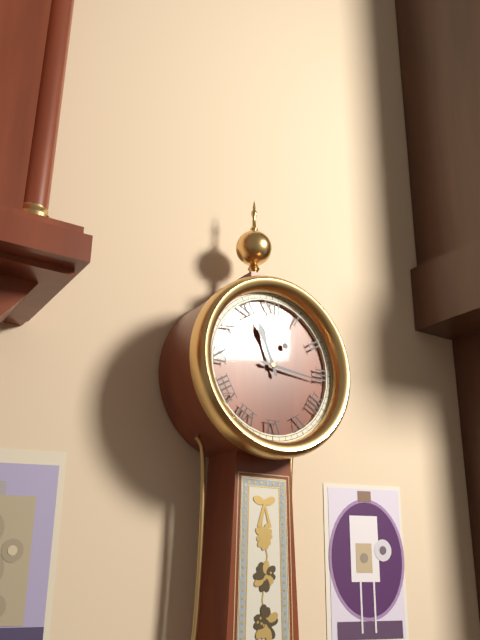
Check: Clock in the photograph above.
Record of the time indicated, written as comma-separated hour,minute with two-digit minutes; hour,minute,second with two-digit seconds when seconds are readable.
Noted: 11,16
